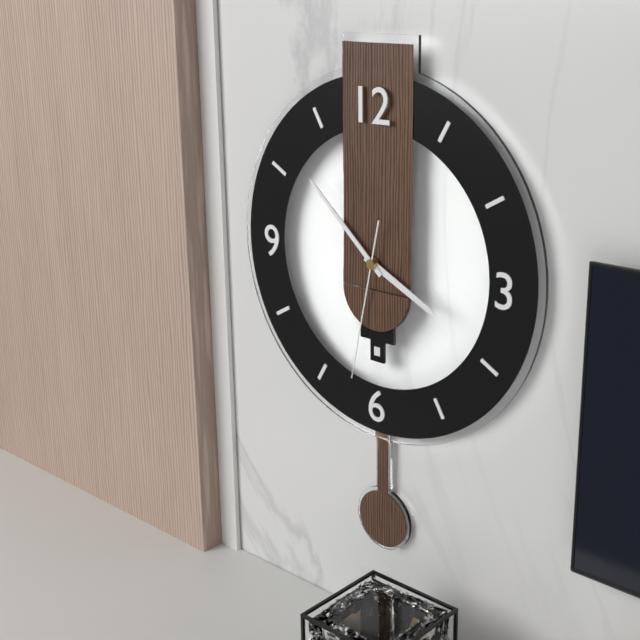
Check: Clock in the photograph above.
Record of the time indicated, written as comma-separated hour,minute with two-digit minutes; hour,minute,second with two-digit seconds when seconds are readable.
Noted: 3,52,32
